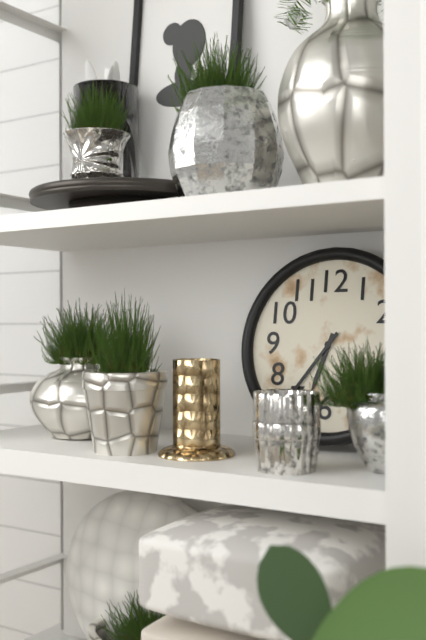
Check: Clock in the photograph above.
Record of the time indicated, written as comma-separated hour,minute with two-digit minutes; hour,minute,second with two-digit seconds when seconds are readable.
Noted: 6,36
